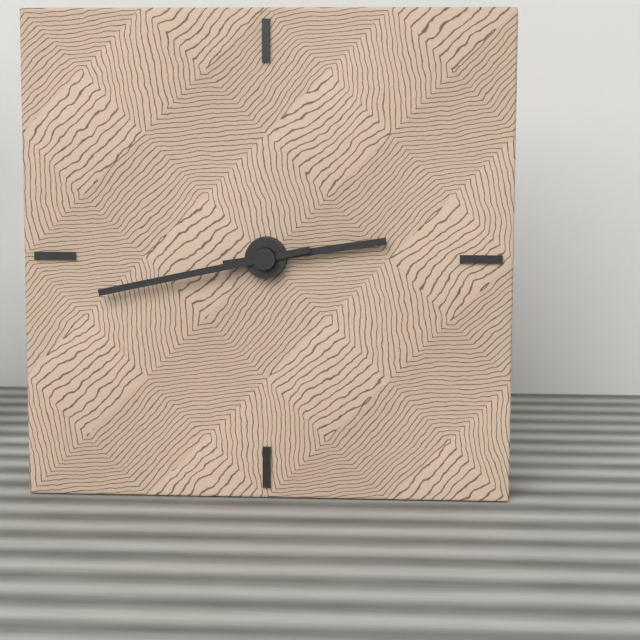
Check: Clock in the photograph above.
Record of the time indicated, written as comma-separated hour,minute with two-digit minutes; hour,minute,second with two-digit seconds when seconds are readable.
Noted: 2,43
